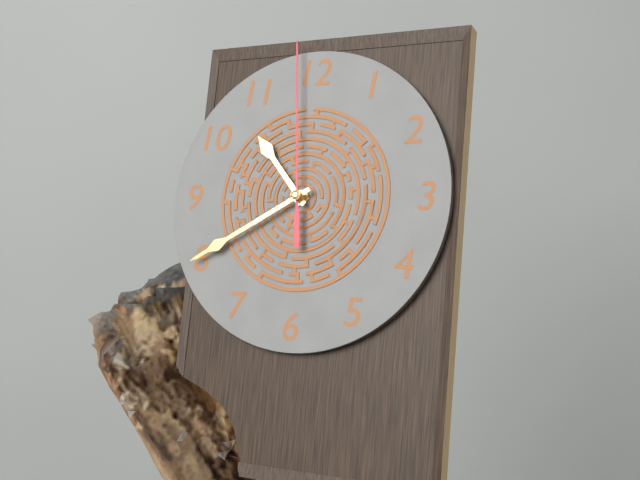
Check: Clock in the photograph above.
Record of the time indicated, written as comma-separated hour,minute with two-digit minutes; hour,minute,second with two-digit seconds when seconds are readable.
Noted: 10,40,59
